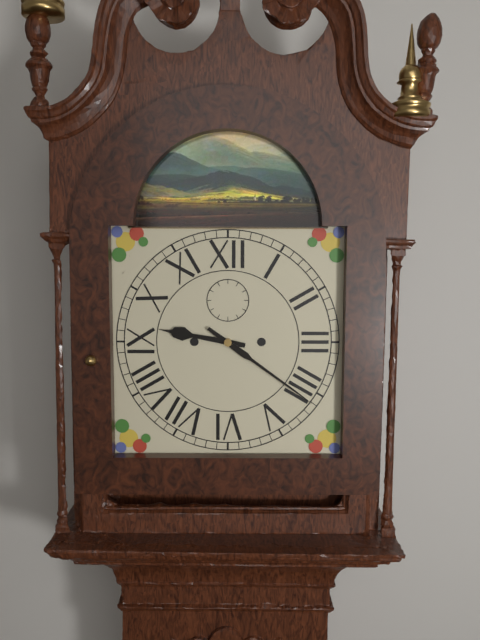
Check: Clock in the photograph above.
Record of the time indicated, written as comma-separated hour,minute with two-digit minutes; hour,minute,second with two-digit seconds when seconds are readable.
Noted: 9,21
